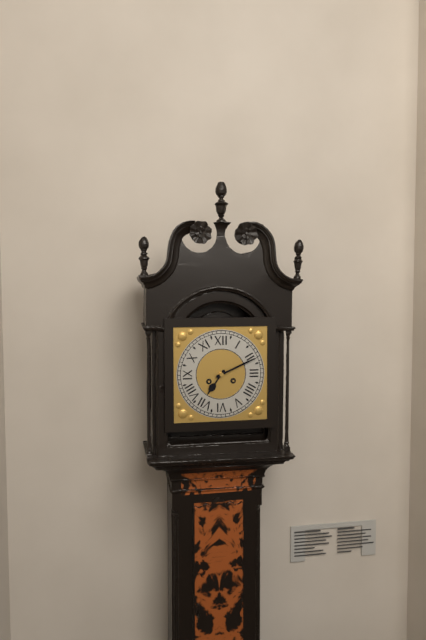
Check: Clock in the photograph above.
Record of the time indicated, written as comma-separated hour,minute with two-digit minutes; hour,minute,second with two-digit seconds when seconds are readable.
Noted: 7,11
